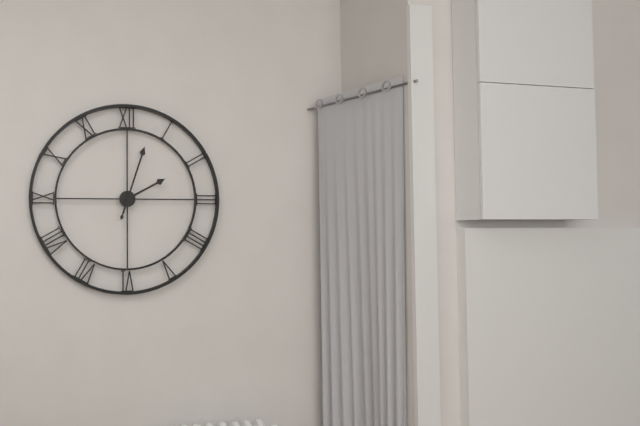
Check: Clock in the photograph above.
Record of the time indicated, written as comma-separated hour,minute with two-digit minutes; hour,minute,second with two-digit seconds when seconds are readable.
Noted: 2,03
